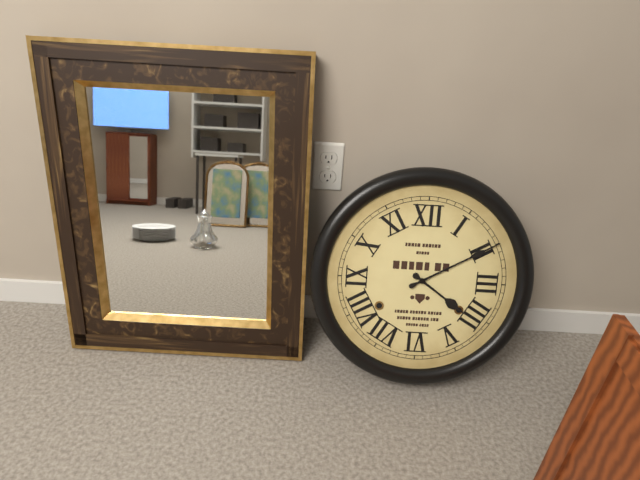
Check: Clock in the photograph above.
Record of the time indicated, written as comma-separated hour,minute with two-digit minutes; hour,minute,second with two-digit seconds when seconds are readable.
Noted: 4,10
